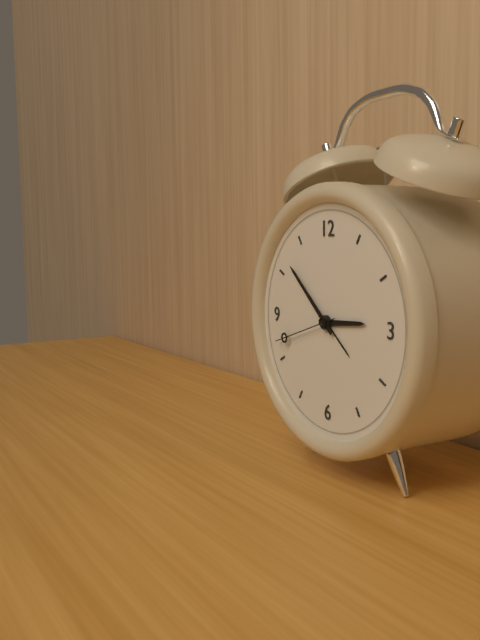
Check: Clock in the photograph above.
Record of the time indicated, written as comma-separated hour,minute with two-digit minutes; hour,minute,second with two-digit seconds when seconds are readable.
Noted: 2,52,42
